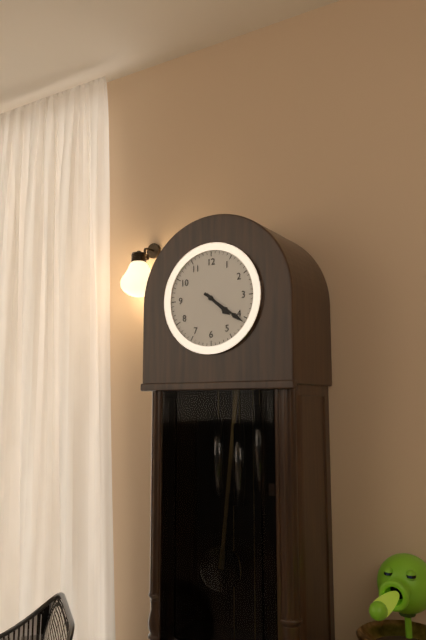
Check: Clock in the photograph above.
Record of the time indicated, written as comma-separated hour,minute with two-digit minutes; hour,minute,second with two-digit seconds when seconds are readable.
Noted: 4,21
